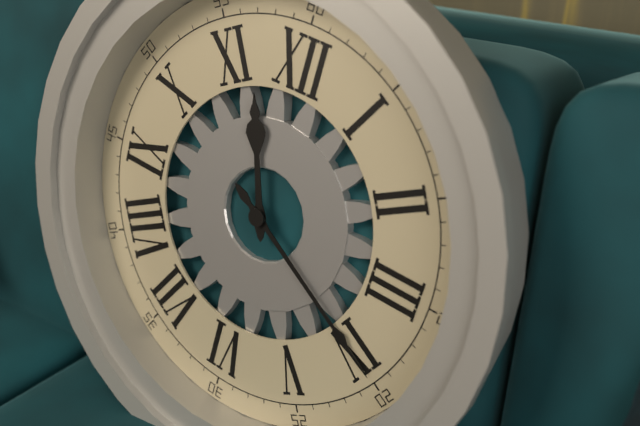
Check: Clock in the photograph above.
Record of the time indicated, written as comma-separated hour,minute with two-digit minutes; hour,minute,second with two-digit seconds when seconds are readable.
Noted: 11,20
